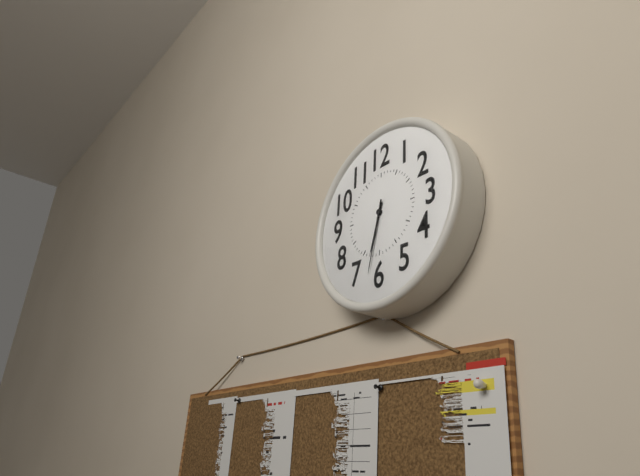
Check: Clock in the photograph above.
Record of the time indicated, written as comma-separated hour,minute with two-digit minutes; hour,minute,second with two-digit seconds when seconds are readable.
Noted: 6,32
